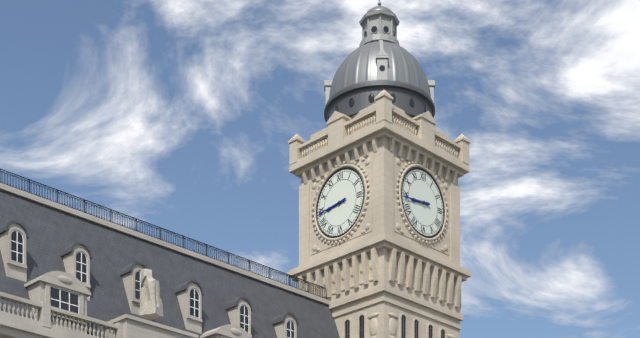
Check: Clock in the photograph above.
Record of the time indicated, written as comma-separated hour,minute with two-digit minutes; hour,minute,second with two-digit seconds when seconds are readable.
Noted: 8,44
